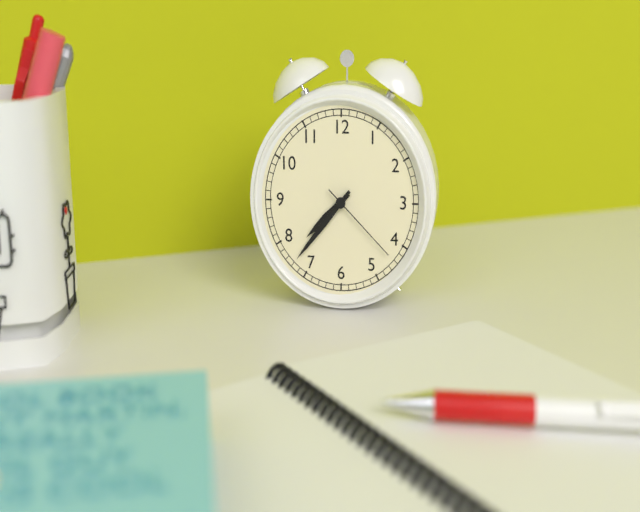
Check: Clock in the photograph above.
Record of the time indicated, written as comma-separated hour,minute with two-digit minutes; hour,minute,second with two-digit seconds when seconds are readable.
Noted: 7,37,22
